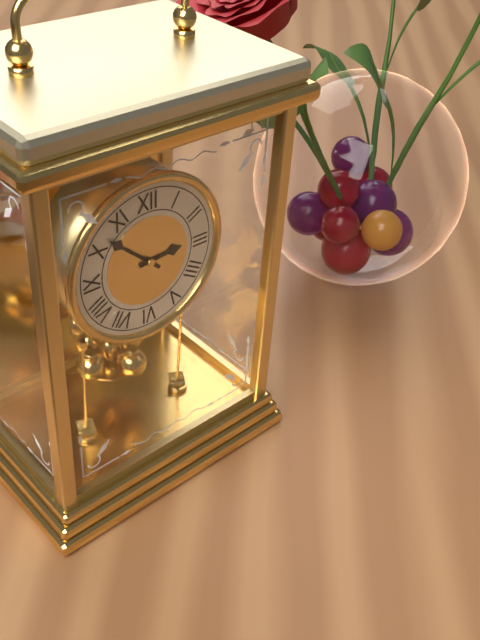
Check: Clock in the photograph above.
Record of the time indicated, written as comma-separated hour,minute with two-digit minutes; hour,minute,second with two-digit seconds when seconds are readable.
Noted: 2,52
